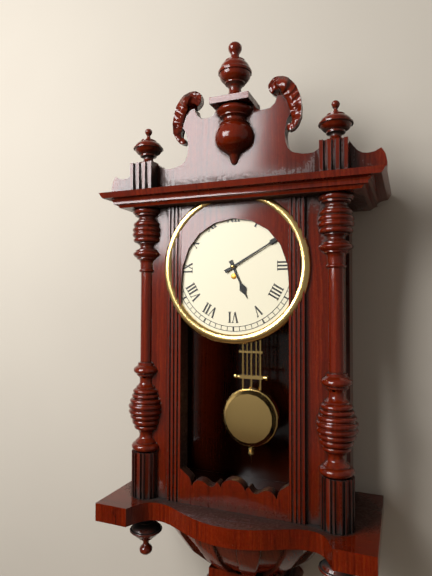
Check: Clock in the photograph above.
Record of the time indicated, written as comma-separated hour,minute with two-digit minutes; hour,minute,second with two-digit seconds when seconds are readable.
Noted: 5,10
